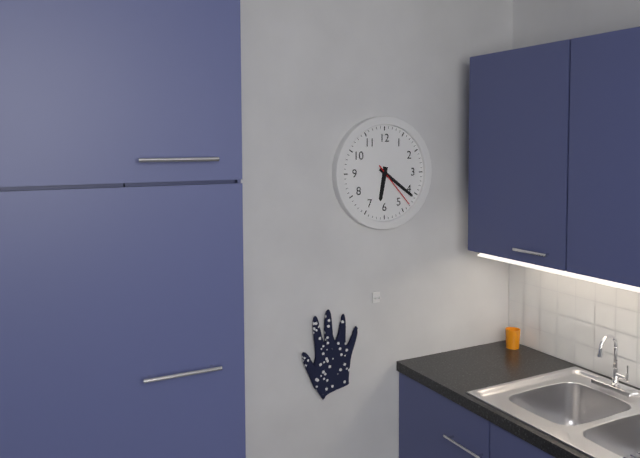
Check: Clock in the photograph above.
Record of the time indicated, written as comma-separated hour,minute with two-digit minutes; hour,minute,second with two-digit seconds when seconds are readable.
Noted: 6,21,23
